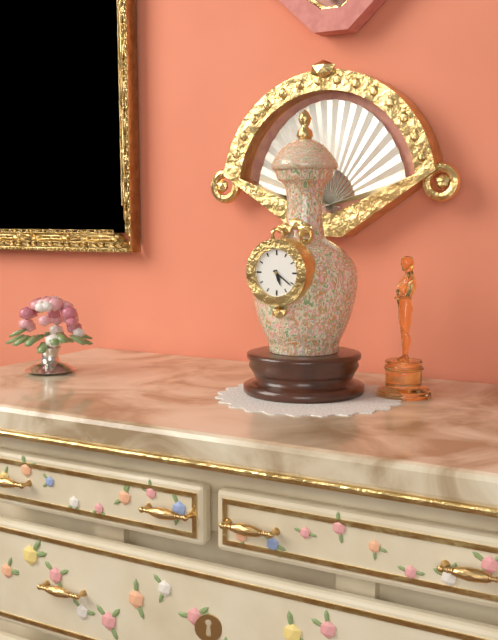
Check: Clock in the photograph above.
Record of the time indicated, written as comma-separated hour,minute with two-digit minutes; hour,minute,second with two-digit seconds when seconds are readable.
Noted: 5,21
